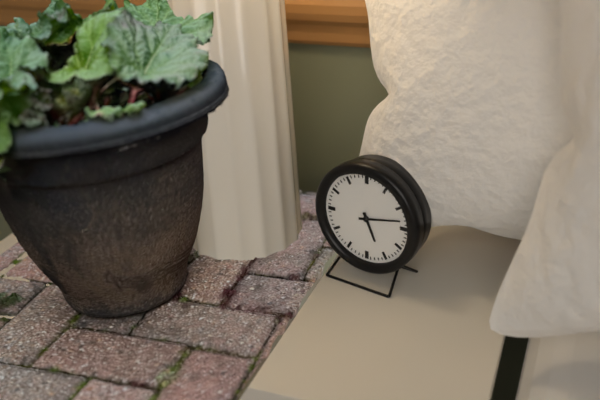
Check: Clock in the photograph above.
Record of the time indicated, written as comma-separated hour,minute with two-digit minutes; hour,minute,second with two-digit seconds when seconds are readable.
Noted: 5,13
